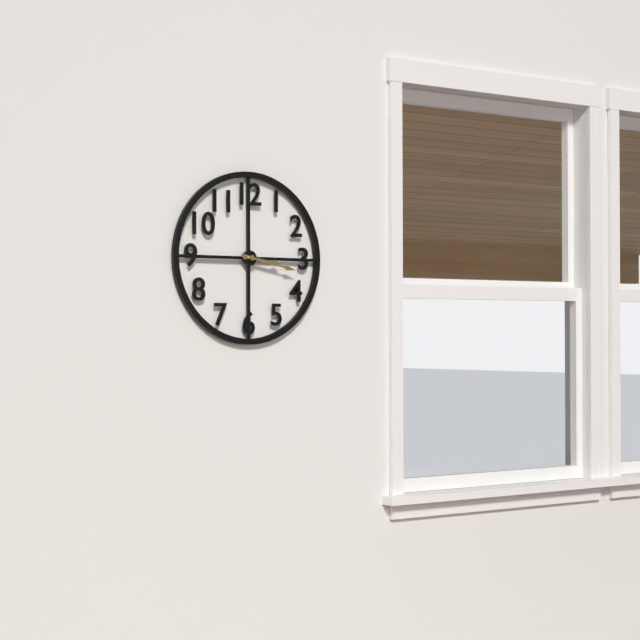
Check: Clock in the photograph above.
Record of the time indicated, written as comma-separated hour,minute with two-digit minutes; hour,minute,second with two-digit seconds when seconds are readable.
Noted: 3,17
